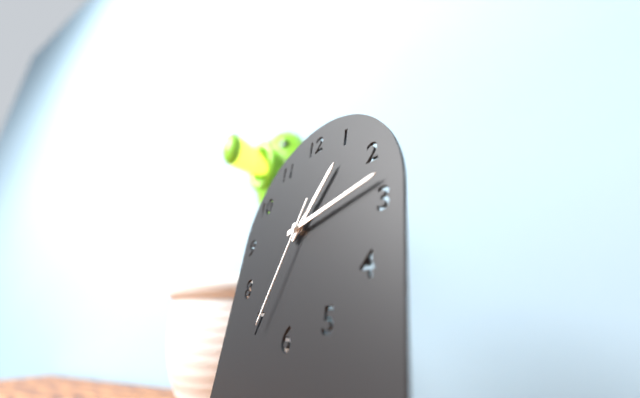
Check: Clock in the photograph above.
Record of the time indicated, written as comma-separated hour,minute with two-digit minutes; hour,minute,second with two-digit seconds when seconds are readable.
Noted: 1,13,34
